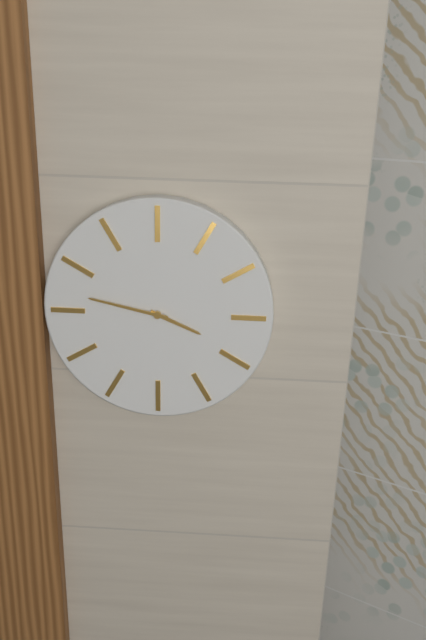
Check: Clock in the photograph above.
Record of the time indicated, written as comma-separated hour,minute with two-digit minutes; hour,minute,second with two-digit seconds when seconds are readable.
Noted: 3,47
